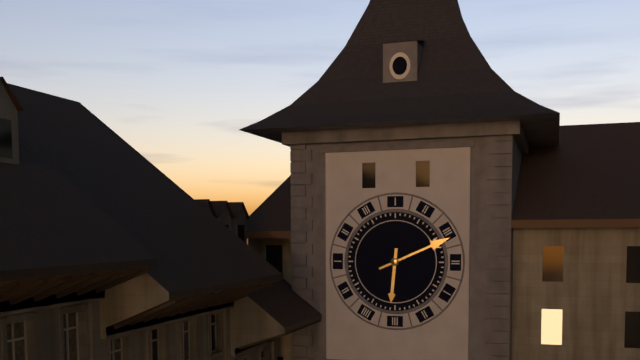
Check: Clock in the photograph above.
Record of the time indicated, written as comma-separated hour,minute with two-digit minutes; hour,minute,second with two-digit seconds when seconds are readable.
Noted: 6,11
